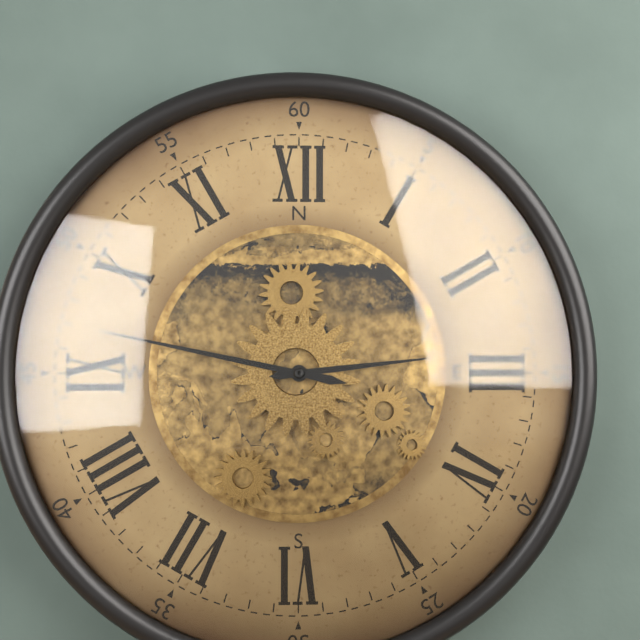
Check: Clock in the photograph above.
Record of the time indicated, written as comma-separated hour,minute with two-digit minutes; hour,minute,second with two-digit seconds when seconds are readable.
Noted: 2,47
